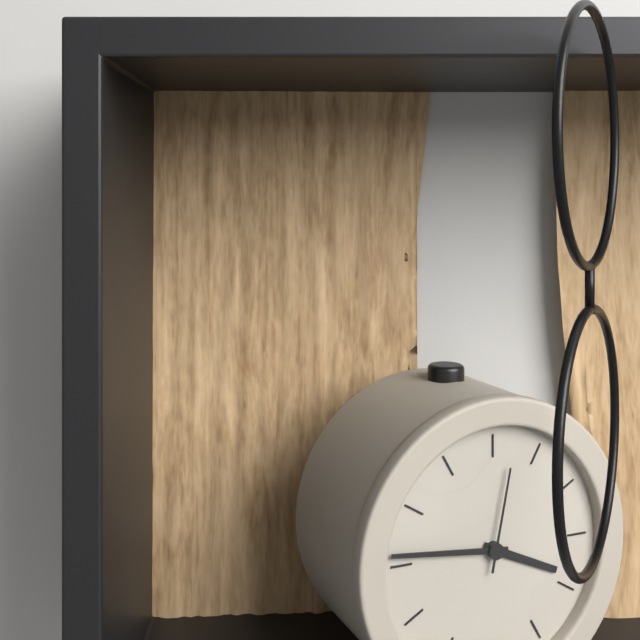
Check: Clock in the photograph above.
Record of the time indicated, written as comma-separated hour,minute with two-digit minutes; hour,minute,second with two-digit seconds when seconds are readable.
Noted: 3,46,02
